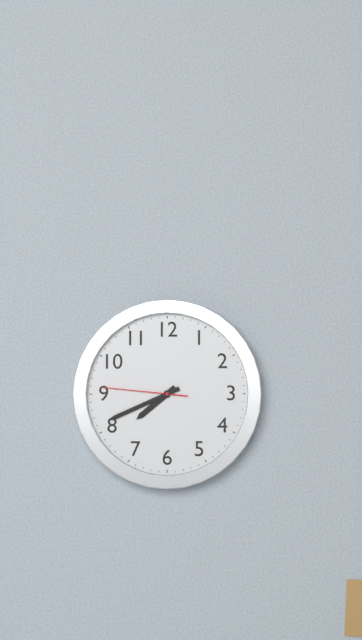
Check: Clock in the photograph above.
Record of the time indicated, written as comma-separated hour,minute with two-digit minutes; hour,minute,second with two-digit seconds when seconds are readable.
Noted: 7,41,46
